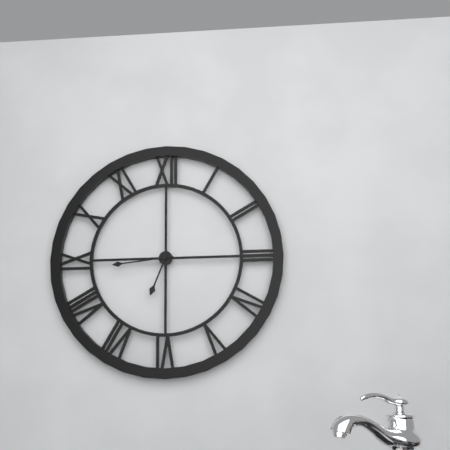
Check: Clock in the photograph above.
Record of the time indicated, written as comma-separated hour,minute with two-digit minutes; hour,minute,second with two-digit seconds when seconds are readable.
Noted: 6,44
